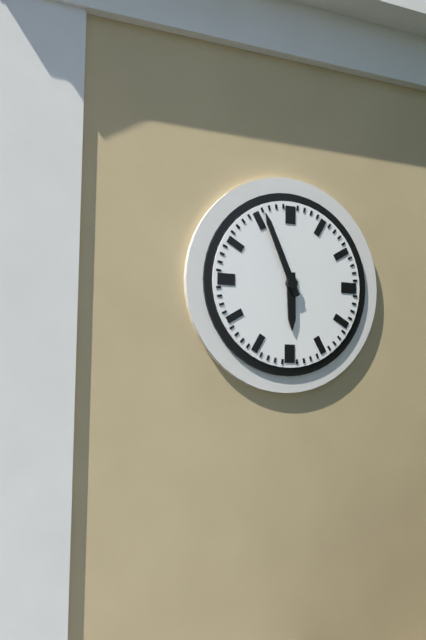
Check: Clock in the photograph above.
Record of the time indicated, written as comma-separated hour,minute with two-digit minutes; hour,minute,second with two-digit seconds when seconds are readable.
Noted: 5,56
